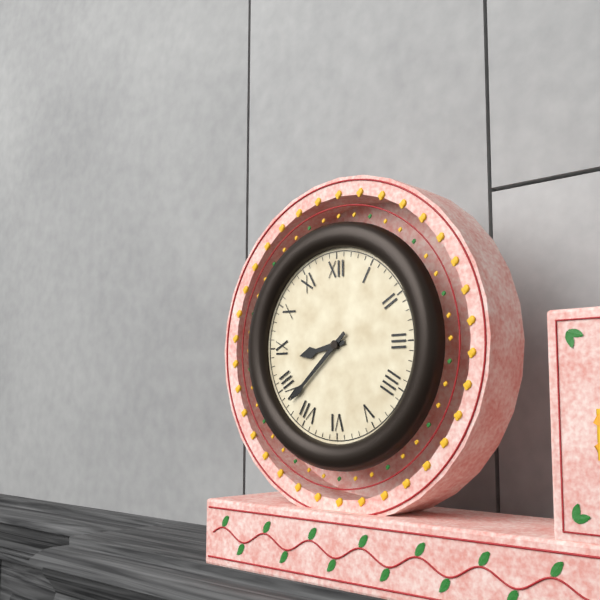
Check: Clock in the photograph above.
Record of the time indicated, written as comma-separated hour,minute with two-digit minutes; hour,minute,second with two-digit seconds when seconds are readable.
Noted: 8,38
